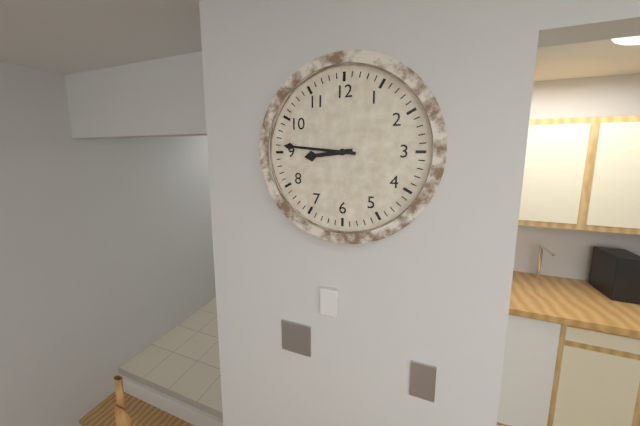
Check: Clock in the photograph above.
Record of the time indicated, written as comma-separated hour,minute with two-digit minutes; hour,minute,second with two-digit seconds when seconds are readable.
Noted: 8,46
